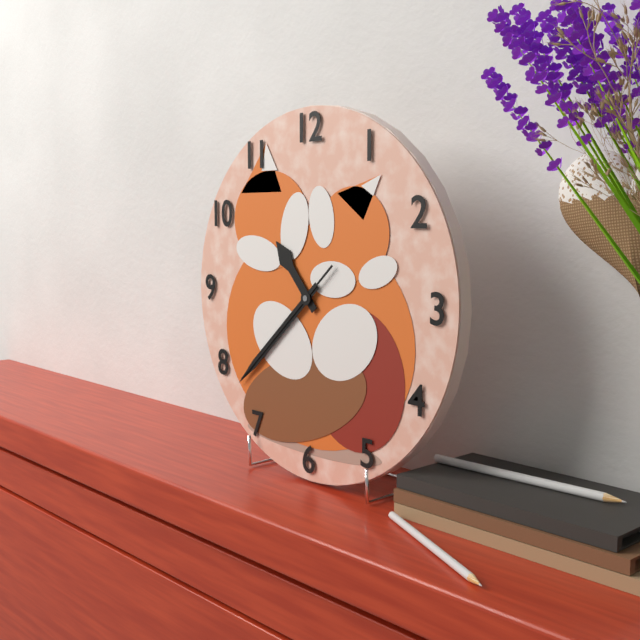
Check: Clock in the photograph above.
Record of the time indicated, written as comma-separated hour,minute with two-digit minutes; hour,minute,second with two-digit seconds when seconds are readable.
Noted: 10,38,38
